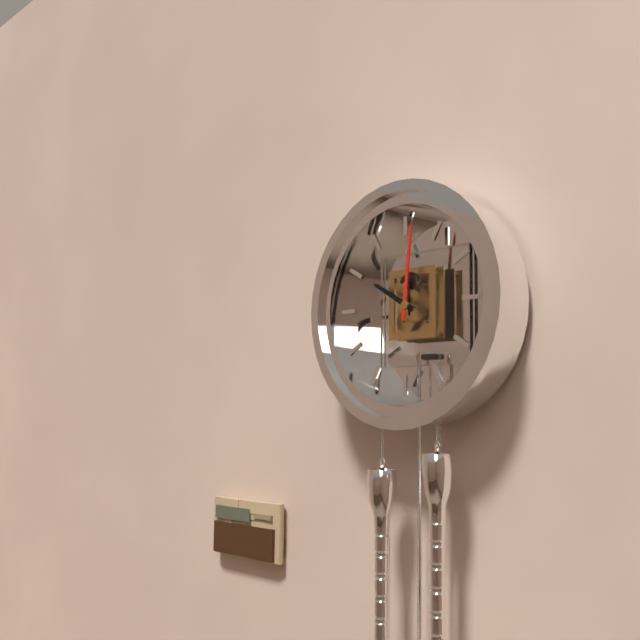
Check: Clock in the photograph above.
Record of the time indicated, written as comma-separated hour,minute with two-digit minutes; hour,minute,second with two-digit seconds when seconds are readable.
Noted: 10,01
